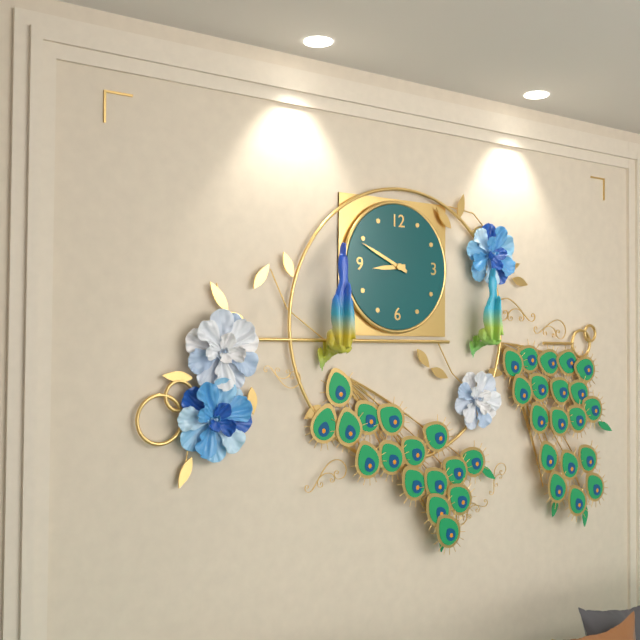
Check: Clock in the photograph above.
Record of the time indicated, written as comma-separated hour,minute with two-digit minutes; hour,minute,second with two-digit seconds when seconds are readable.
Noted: 8,49
